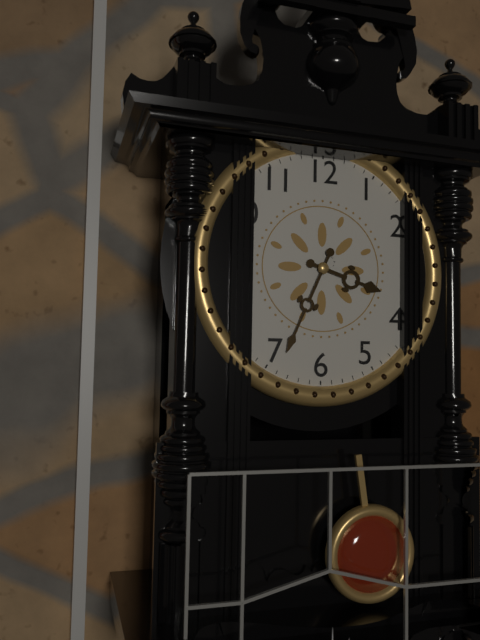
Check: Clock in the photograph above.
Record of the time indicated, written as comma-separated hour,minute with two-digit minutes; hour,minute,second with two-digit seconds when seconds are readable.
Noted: 3,34
